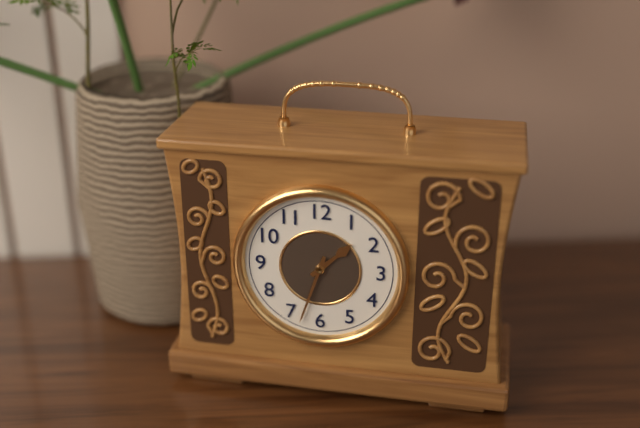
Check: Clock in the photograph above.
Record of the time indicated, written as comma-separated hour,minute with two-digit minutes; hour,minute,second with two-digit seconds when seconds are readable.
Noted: 1,33
